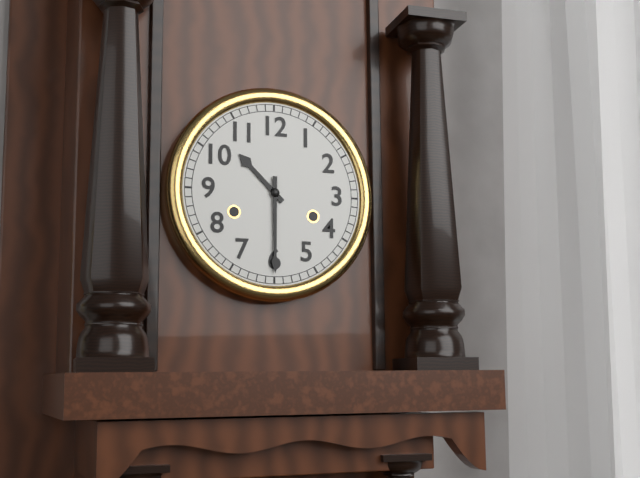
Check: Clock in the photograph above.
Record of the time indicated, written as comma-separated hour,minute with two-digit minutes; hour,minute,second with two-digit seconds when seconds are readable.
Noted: 10,30
